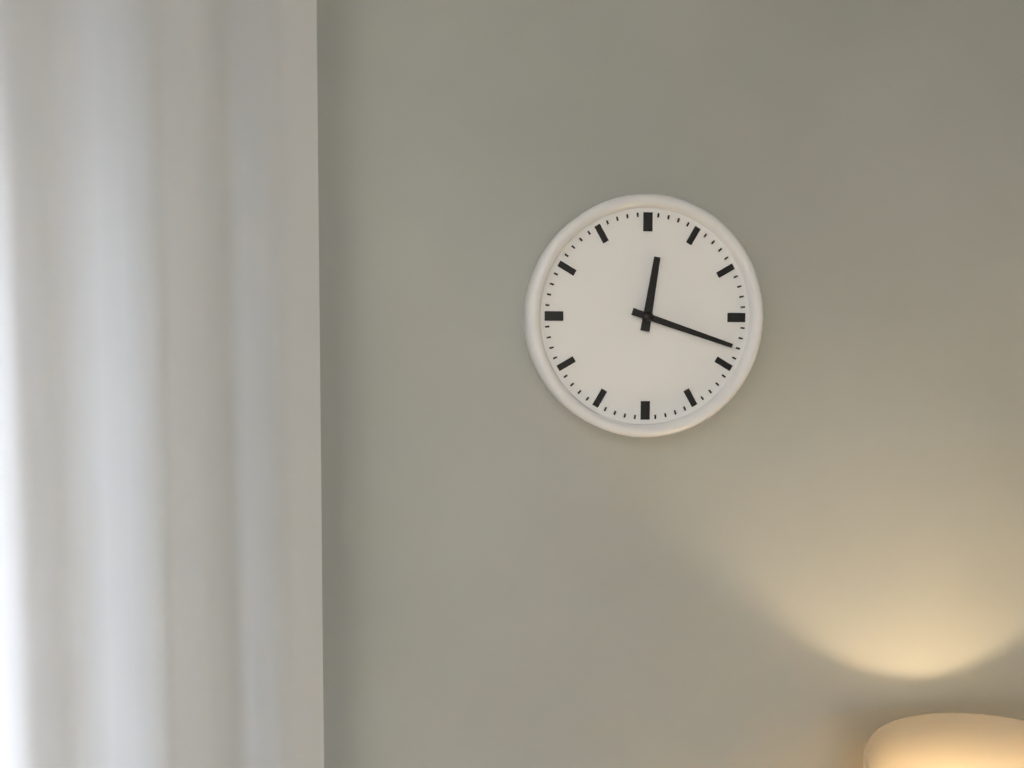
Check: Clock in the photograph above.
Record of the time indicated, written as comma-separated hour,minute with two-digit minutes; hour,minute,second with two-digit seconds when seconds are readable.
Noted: 12,18
